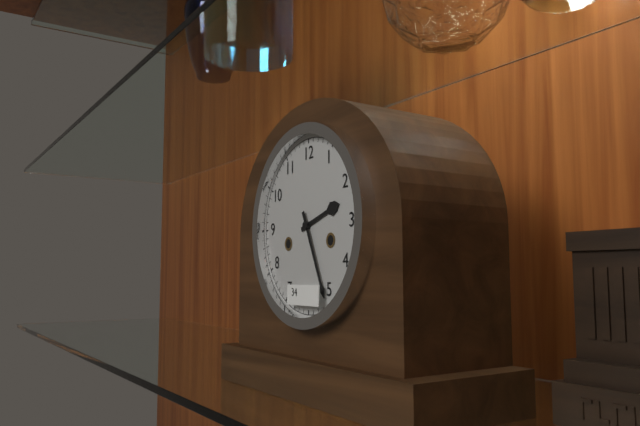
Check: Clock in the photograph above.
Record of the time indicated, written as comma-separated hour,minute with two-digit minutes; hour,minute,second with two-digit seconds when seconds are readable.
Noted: 2,26
